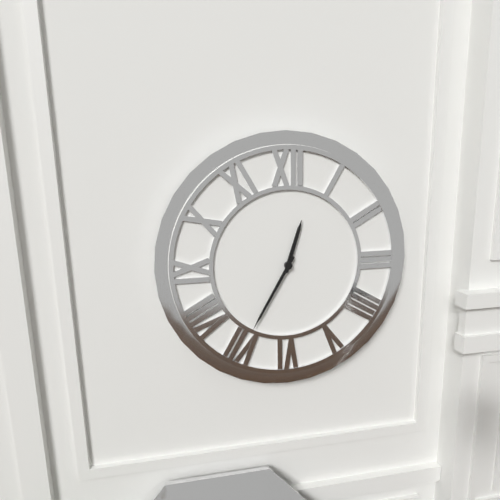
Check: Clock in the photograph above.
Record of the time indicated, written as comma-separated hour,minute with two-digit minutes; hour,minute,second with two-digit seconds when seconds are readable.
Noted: 12,35
